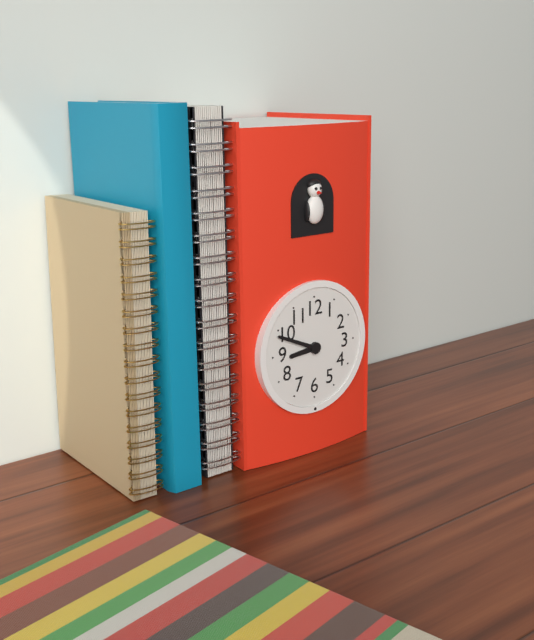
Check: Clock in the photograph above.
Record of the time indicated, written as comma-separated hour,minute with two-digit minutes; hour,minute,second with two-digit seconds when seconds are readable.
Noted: 8,49
